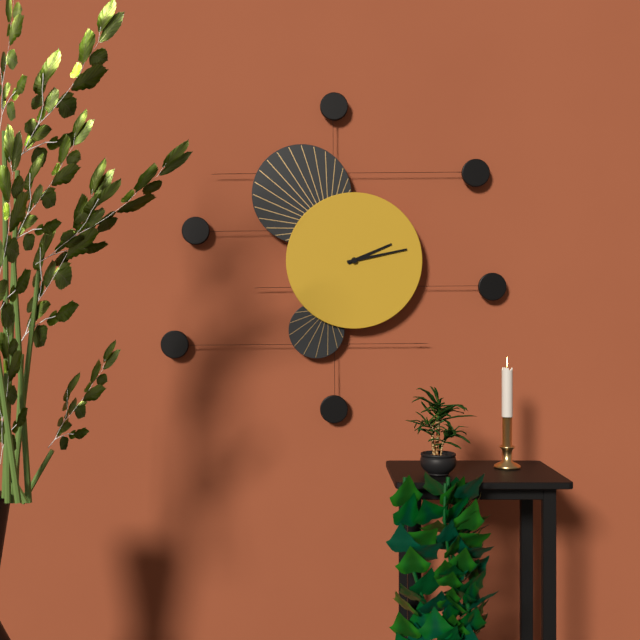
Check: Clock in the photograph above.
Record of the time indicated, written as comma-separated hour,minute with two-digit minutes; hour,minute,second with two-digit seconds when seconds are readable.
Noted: 2,13
